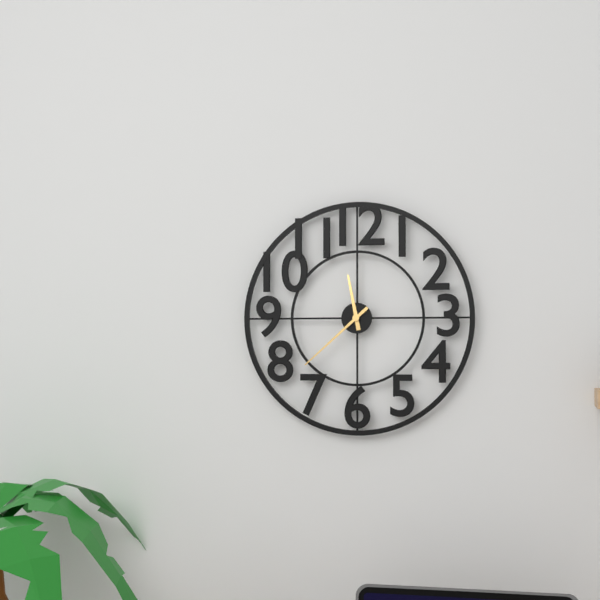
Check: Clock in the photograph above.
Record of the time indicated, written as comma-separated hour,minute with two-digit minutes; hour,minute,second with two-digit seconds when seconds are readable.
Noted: 11,38
